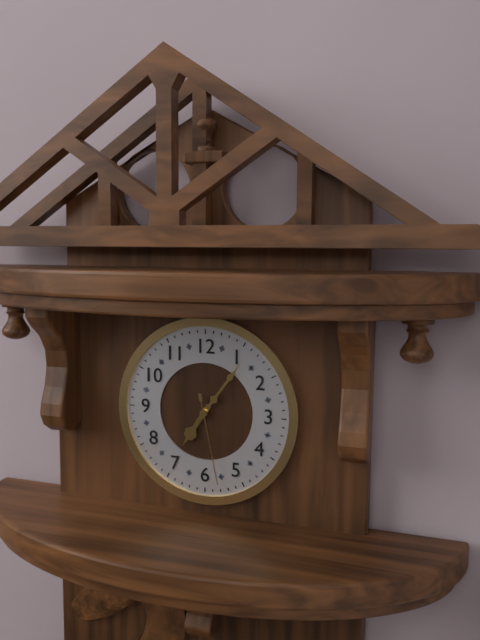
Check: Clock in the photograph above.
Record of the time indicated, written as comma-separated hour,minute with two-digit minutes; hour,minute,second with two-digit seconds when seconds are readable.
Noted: 7,06,28
